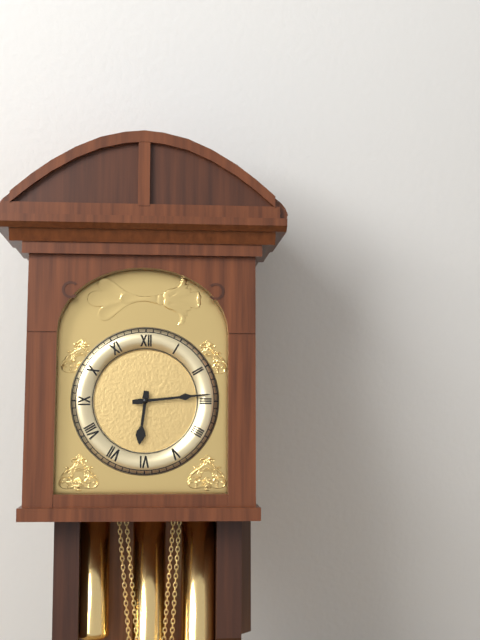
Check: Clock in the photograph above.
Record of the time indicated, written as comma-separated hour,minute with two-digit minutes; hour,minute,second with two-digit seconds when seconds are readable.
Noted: 6,14
